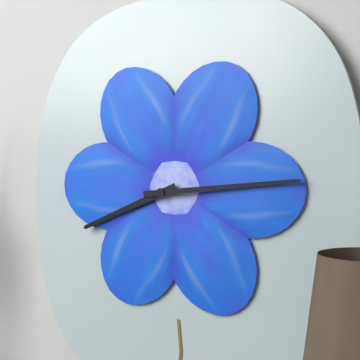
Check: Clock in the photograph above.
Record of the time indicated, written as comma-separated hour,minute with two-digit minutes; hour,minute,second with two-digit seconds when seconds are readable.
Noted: 8,14
